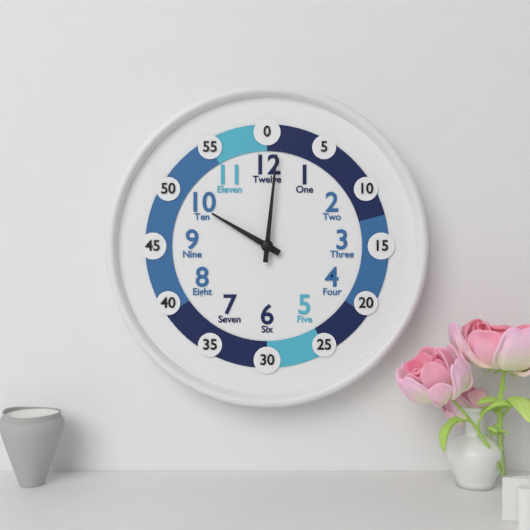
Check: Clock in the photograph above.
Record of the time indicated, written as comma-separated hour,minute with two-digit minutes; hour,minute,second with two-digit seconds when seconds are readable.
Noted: 10,01
